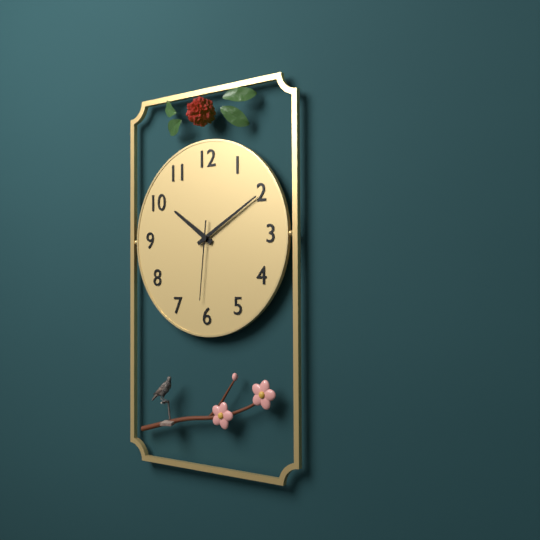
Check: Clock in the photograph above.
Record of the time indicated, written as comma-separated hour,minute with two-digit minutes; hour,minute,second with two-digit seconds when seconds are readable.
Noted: 10,10,31
